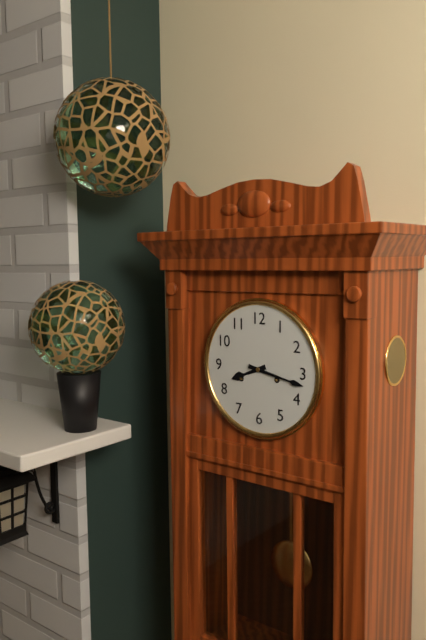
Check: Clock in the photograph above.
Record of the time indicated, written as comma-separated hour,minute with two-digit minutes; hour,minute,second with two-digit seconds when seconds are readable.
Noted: 8,17
